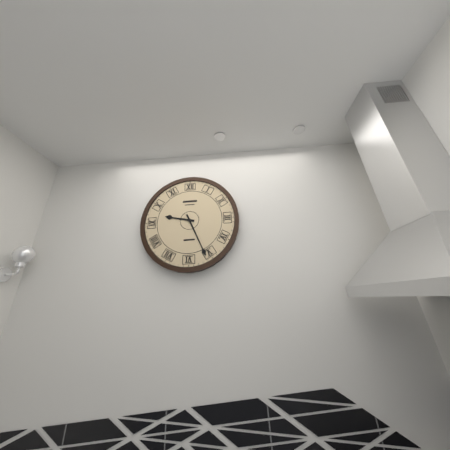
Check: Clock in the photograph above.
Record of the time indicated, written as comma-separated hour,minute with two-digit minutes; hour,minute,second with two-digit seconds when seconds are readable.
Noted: 9,26
